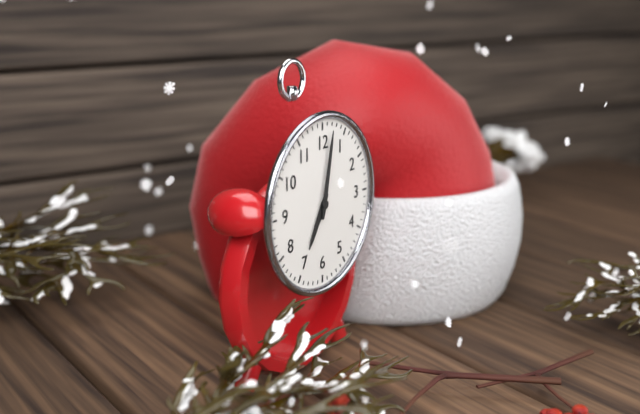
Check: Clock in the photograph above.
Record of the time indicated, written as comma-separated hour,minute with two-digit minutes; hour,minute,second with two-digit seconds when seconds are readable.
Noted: 7,02
